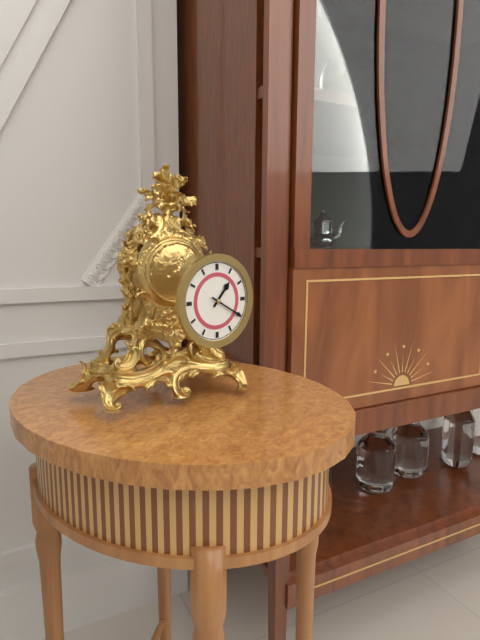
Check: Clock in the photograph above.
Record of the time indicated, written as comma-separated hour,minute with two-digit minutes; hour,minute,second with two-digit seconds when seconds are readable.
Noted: 1,20
